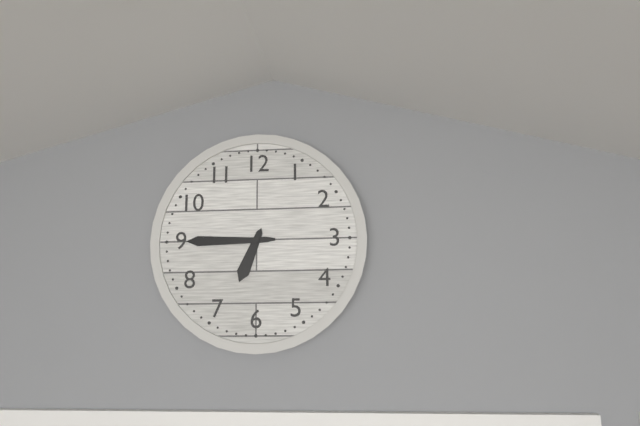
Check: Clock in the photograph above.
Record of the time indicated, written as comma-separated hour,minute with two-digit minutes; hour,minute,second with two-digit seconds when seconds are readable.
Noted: 6,45
